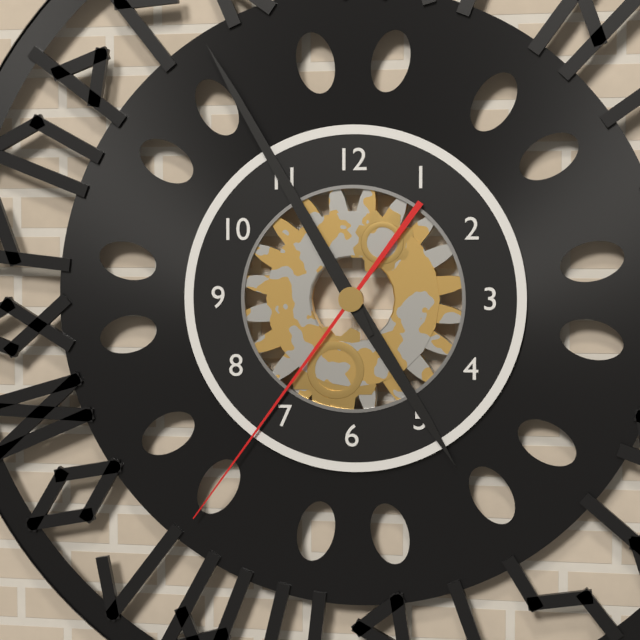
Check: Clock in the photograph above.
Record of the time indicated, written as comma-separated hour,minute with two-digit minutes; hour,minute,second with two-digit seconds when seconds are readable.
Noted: 4,55,36
